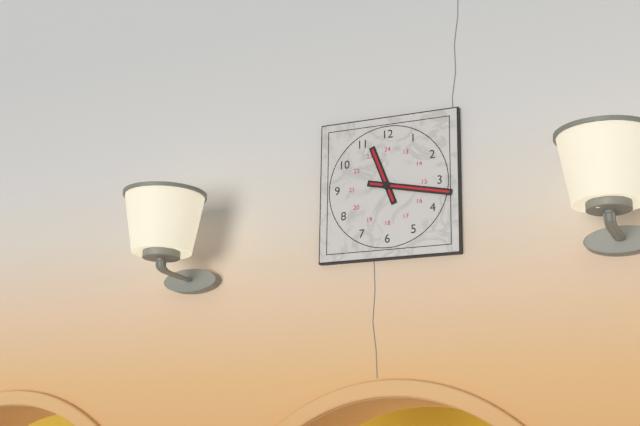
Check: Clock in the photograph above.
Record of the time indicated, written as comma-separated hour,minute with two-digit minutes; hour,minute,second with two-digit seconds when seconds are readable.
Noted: 11,17
